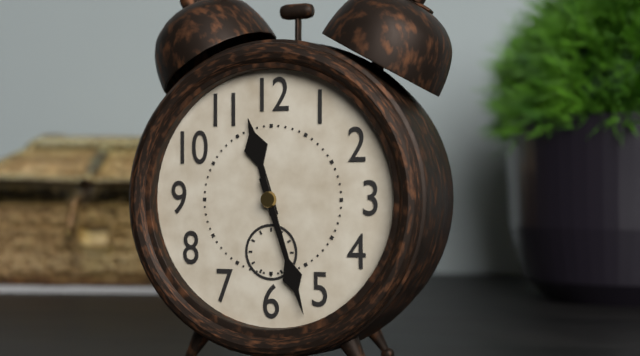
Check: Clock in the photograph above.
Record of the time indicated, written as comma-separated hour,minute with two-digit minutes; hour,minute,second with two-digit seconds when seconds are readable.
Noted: 11,27
